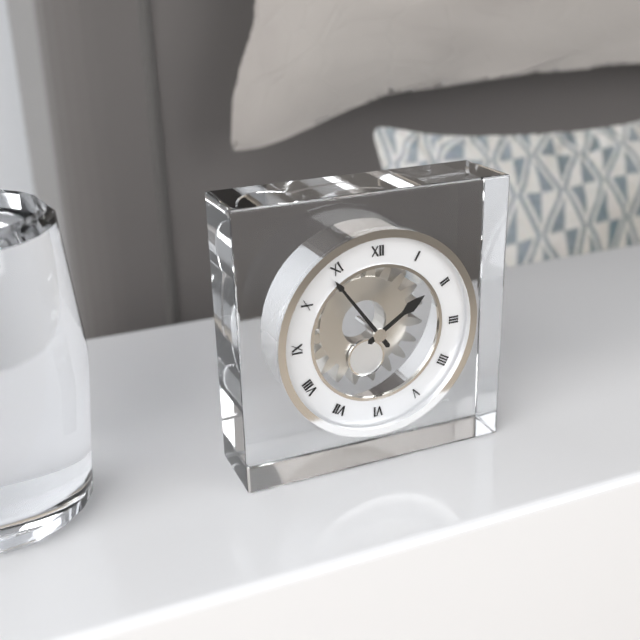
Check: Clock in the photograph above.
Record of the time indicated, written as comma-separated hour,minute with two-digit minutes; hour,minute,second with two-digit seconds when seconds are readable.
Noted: 1,54
